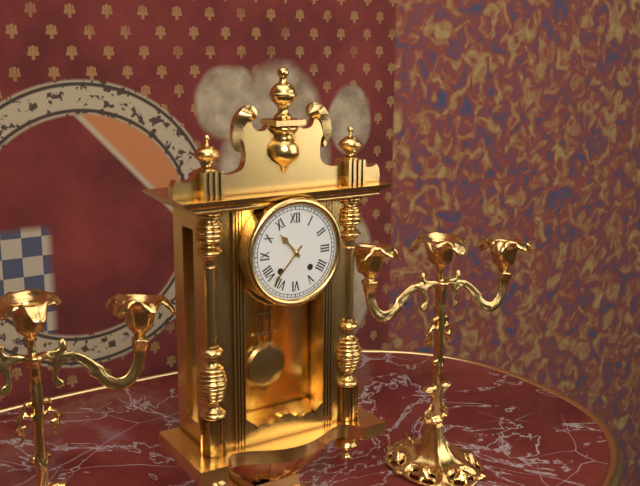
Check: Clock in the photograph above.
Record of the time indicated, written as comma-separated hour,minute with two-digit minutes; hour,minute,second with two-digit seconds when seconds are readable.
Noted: 10,37
